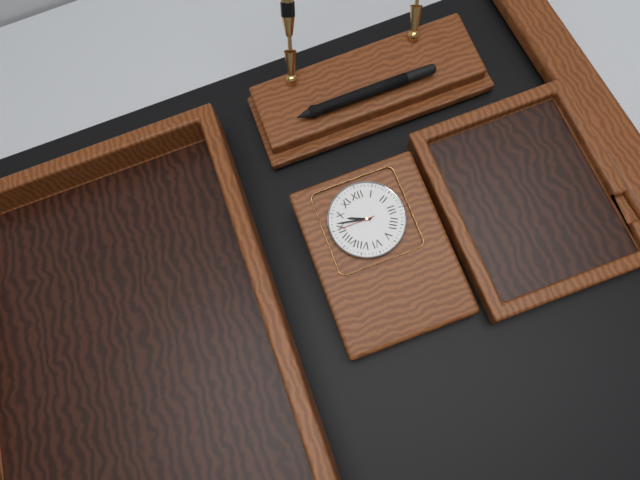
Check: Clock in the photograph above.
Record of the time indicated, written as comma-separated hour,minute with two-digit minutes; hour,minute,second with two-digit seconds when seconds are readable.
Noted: 9,47
